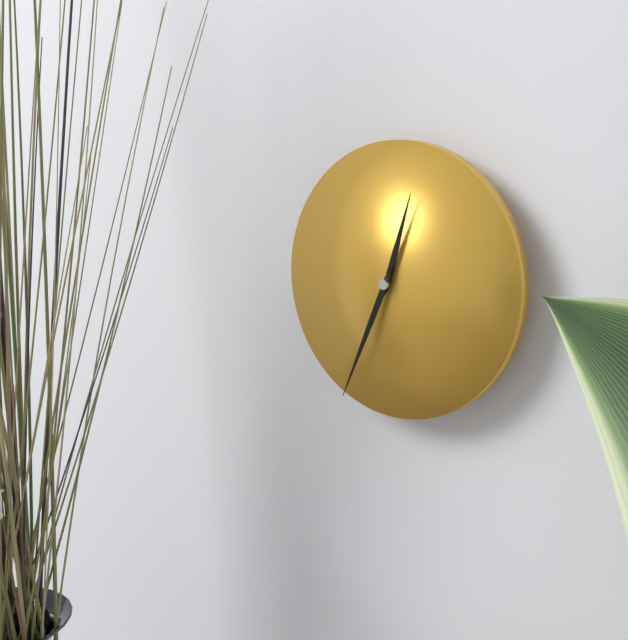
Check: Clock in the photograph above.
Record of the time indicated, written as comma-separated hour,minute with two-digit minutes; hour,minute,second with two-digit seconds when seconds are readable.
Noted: 12,34
